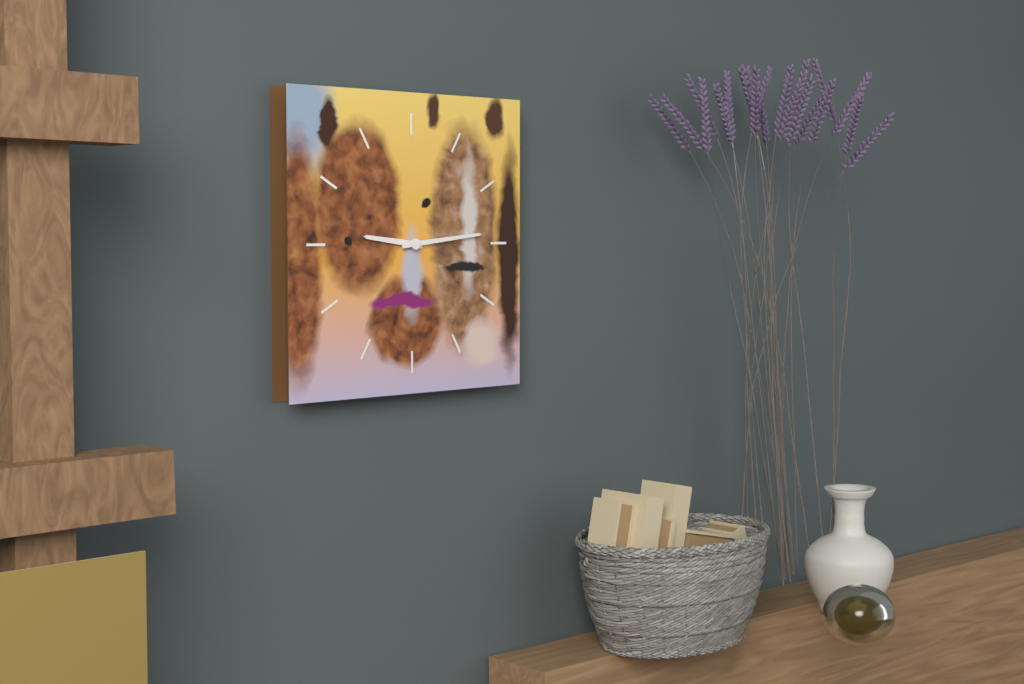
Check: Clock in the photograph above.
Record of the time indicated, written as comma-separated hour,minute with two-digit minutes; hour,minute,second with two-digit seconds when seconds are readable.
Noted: 9,14
